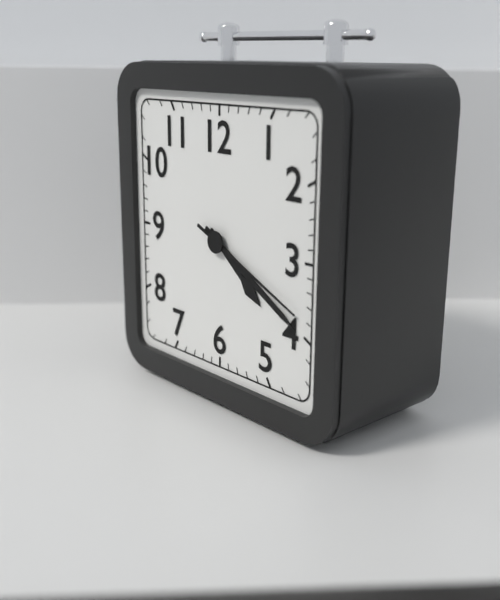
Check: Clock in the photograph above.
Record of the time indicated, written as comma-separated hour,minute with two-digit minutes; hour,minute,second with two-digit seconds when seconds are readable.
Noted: 4,20,19
